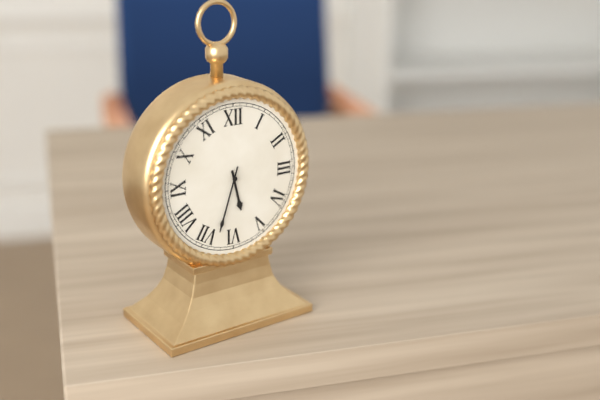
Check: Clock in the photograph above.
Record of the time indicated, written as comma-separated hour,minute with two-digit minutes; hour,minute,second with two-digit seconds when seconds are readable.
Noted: 5,33
